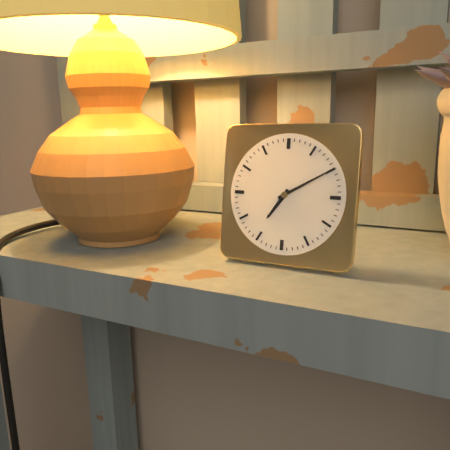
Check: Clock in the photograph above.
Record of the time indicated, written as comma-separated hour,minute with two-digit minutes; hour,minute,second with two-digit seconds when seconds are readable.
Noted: 7,10
